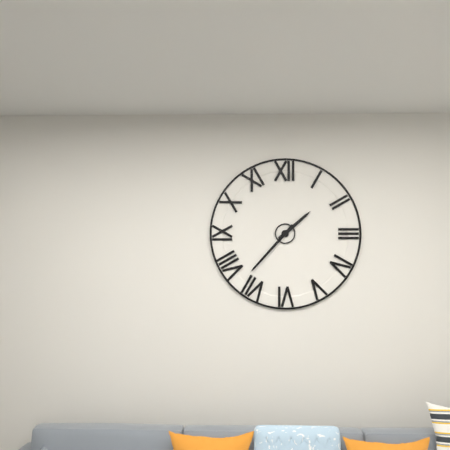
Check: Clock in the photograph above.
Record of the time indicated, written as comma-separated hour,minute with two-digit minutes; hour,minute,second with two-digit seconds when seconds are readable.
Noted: 1,37
